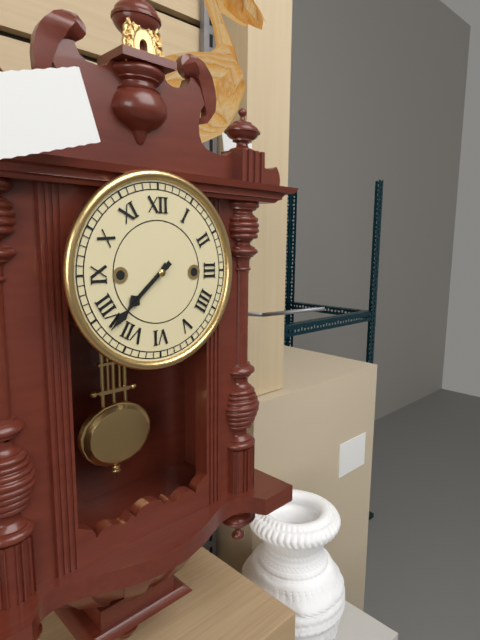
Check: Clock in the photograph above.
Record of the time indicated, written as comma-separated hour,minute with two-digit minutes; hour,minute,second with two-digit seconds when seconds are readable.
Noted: 7,38
